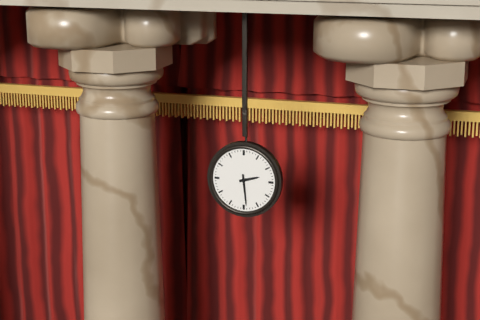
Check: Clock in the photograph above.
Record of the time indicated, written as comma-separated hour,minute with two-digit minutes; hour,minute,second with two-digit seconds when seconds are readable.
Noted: 2,29
